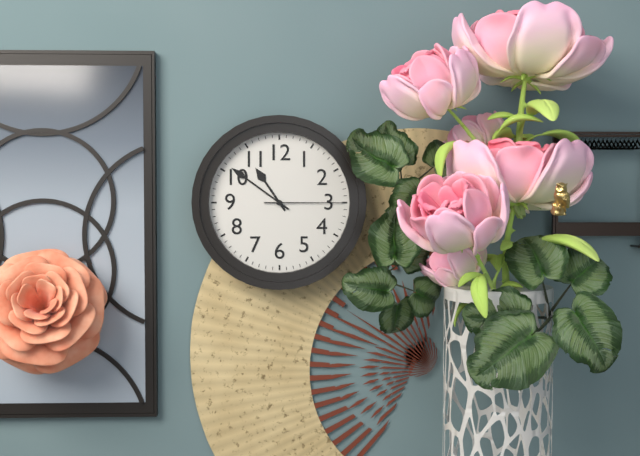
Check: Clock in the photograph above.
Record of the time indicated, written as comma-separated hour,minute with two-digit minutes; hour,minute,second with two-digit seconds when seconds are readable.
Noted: 10,51,15
